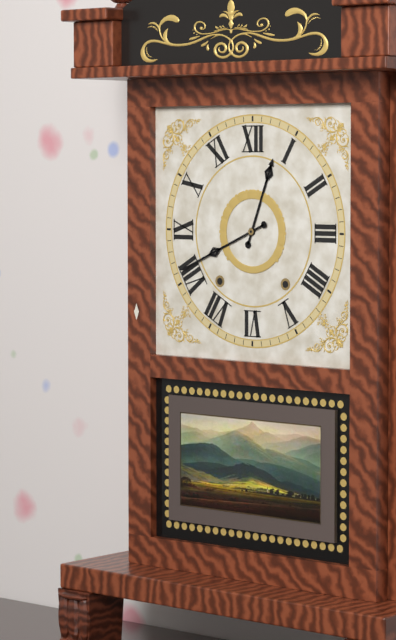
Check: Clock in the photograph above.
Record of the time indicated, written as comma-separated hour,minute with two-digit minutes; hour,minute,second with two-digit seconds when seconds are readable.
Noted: 12,41
